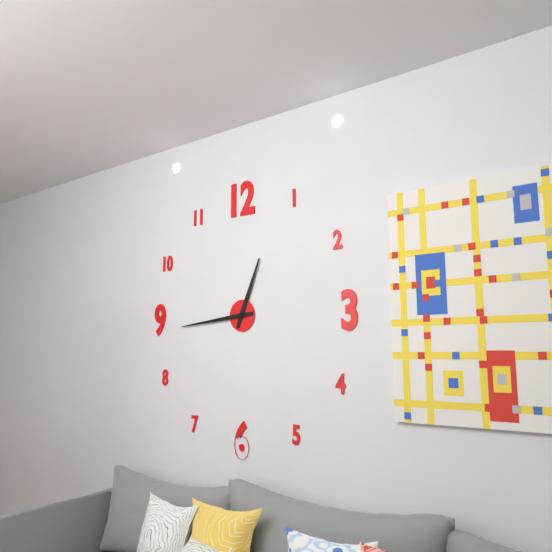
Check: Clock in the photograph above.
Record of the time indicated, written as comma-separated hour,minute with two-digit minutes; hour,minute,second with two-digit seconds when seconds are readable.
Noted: 12,44
